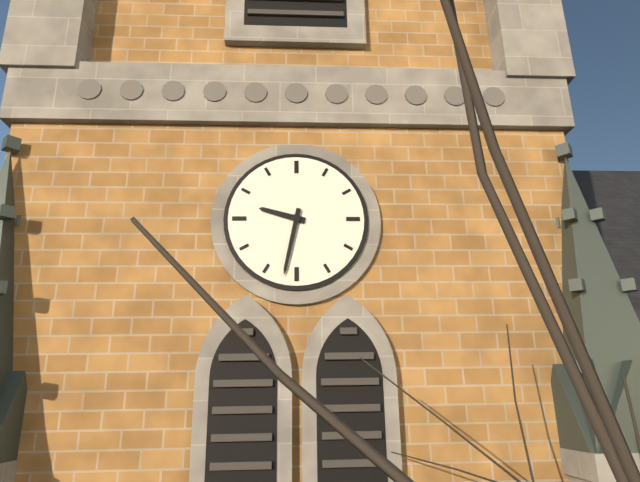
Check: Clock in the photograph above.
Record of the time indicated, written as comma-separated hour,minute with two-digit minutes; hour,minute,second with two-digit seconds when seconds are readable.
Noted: 9,32
